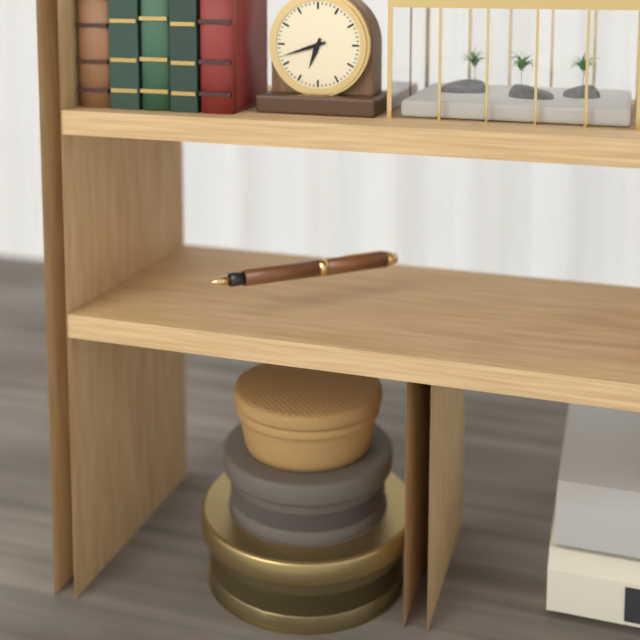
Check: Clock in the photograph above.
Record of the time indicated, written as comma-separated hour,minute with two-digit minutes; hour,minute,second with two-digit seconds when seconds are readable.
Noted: 6,42
